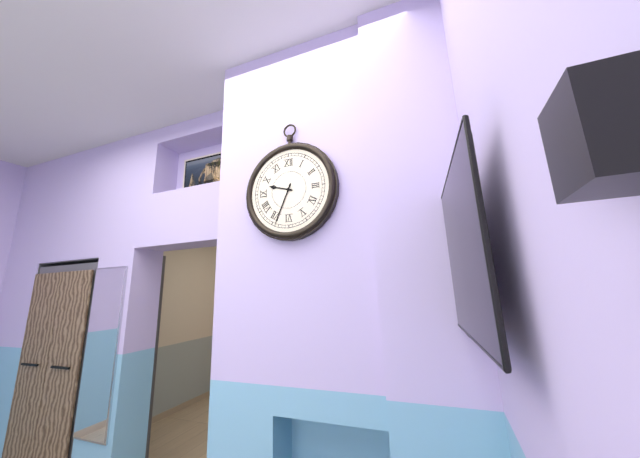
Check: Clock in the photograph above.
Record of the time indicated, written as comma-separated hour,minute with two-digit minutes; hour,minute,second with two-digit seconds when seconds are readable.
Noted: 9,34
